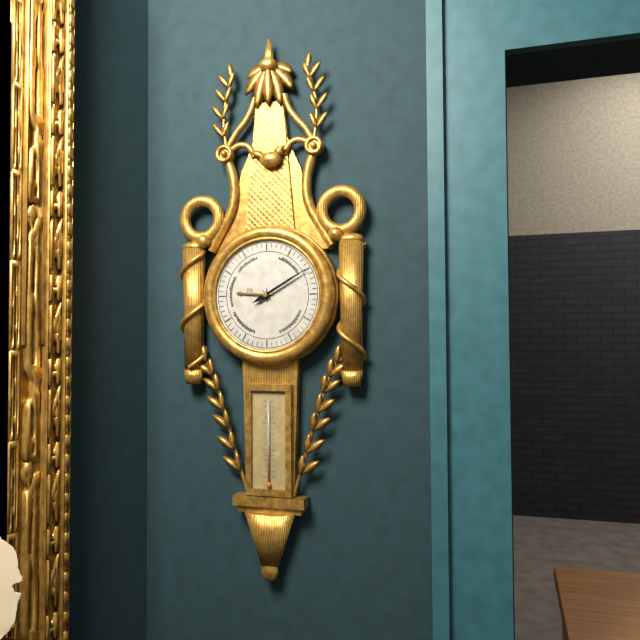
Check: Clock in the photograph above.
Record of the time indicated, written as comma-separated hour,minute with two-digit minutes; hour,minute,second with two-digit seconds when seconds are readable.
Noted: 9,10
